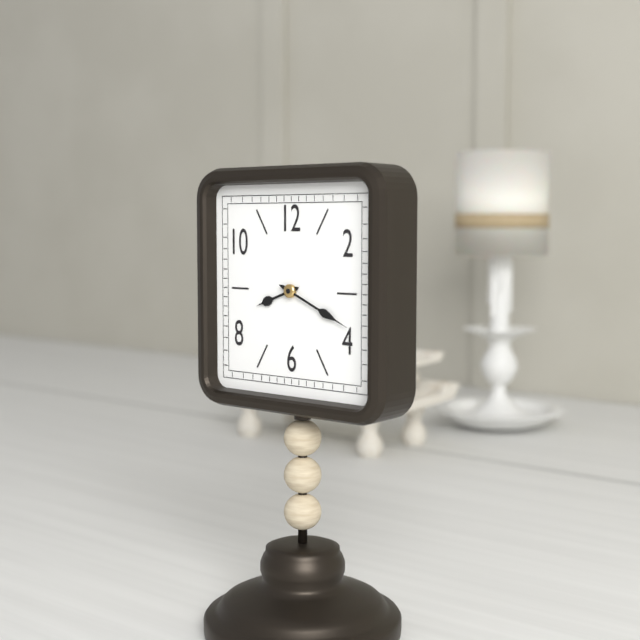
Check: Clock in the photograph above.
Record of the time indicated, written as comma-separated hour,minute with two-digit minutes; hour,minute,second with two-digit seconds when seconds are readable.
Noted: 8,19
